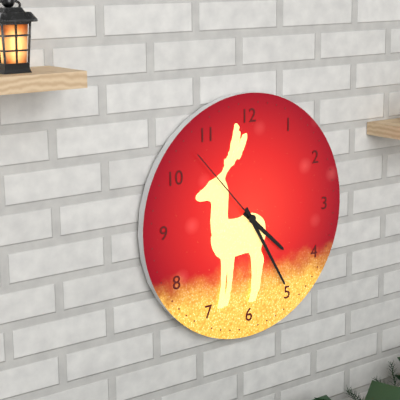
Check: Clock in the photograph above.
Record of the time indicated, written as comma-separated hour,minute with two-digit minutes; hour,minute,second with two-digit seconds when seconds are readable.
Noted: 4,25,53
